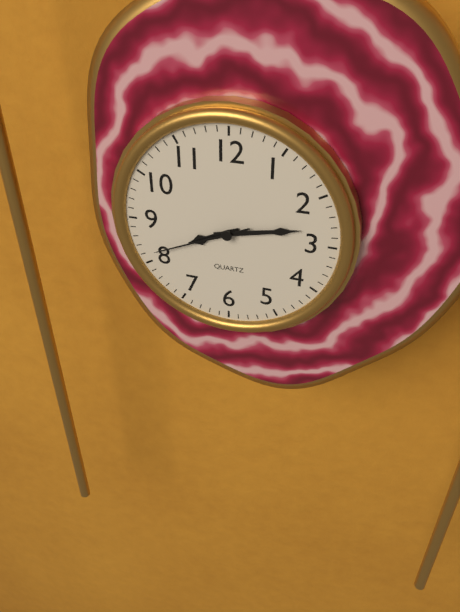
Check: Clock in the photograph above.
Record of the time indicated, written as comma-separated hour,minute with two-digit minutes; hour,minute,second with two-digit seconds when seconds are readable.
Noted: 8,13,41
